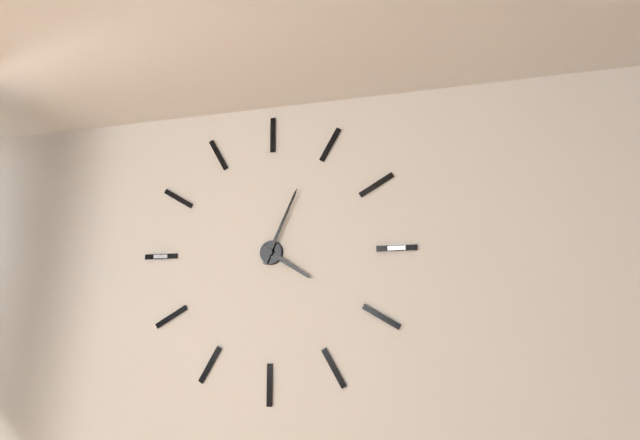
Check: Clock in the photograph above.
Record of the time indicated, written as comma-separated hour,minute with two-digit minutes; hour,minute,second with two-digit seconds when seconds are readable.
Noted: 4,04
